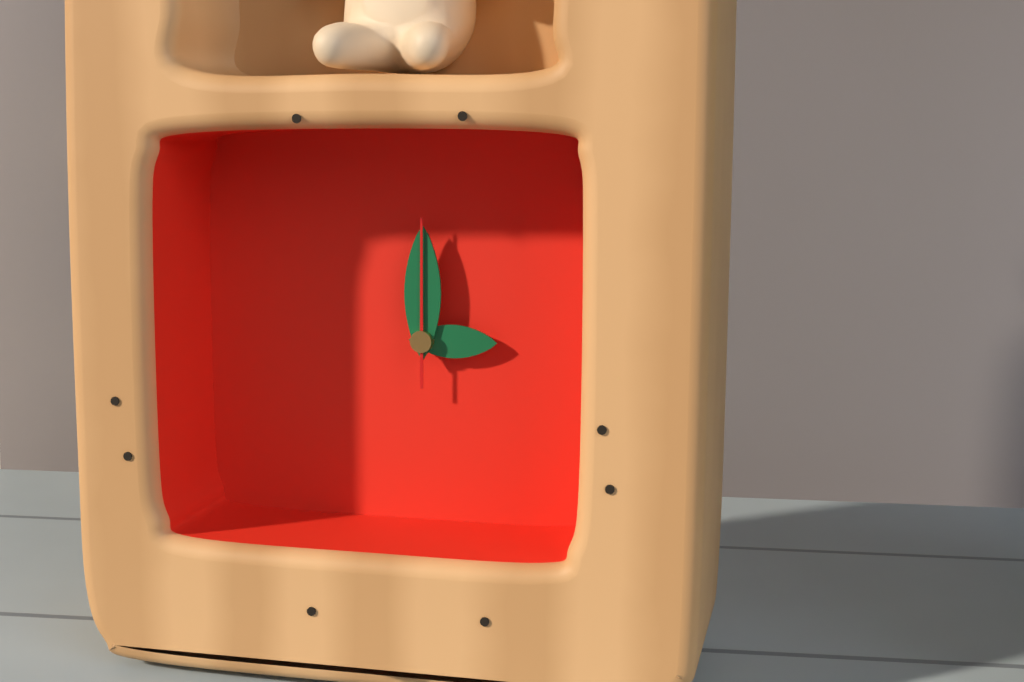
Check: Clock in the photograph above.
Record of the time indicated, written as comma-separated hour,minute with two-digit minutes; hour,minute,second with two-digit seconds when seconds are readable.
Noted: 3,00,00
